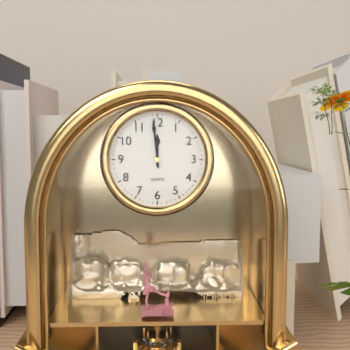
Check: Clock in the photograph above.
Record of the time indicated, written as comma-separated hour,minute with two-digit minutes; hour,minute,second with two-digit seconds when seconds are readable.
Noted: 11,59
